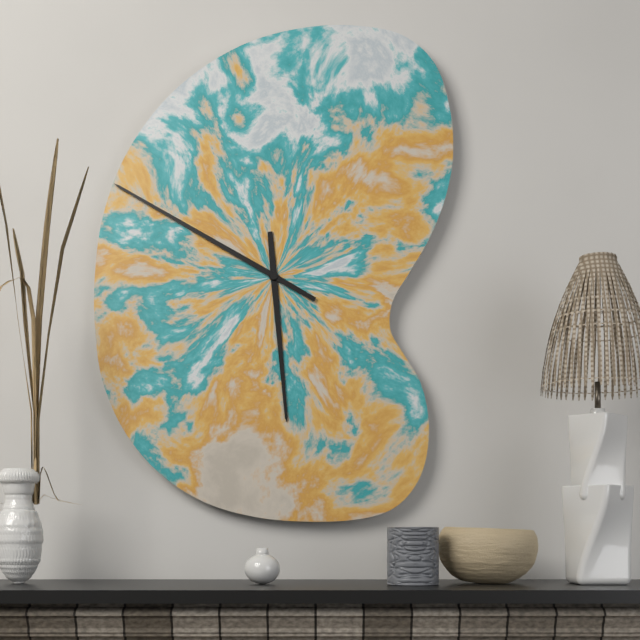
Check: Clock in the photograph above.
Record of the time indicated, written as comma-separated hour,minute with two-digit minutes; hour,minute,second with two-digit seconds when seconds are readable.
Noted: 5,50
